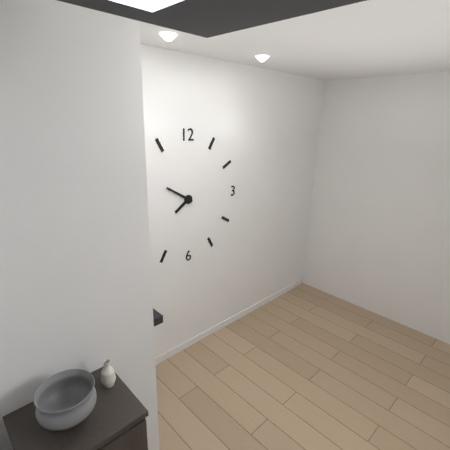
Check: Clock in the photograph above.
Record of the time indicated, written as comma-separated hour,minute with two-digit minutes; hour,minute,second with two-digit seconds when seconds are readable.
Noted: 7,50
